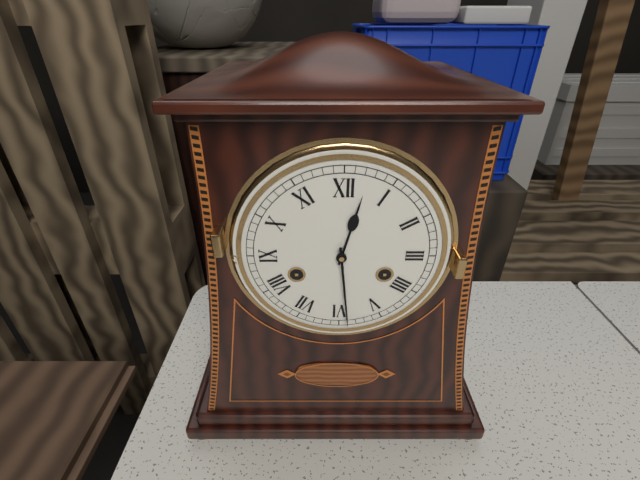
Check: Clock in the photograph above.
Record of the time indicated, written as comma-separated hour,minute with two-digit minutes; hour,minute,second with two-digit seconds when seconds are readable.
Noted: 12,29
